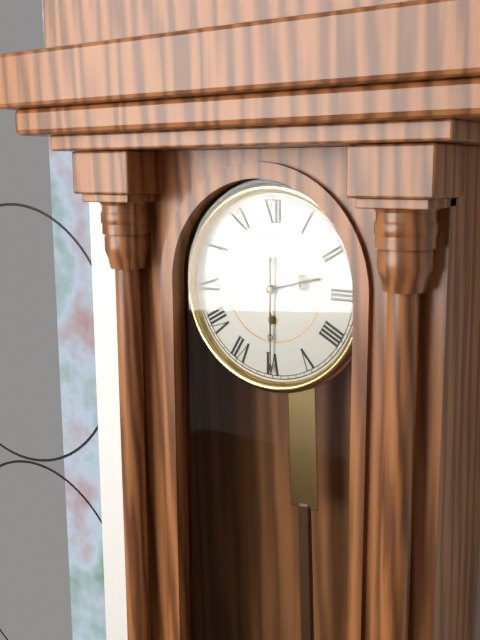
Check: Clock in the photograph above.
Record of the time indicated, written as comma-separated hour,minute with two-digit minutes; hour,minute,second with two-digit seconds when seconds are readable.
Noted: 2,30
